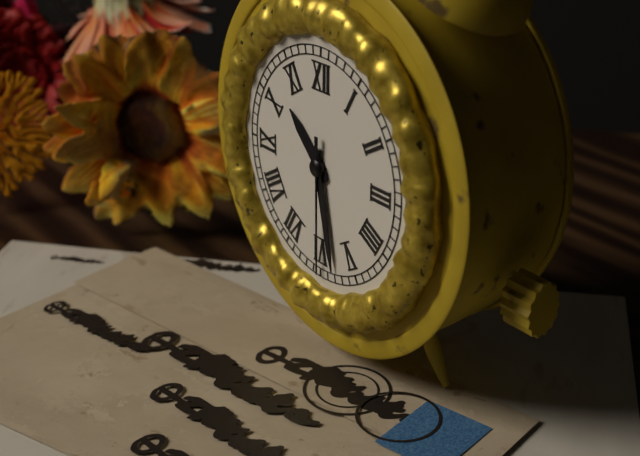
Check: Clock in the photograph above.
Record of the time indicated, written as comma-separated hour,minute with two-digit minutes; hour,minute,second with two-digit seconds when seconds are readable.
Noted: 10,28,30
